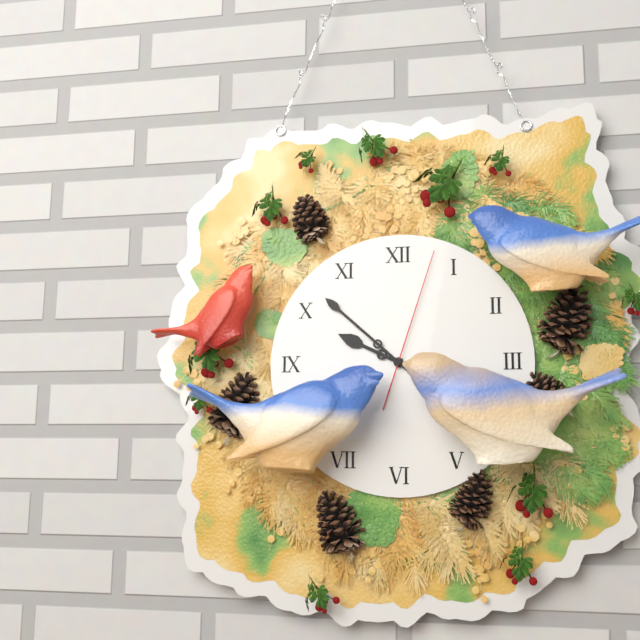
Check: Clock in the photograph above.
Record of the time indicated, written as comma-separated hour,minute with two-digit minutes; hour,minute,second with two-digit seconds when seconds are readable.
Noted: 9,52,03
